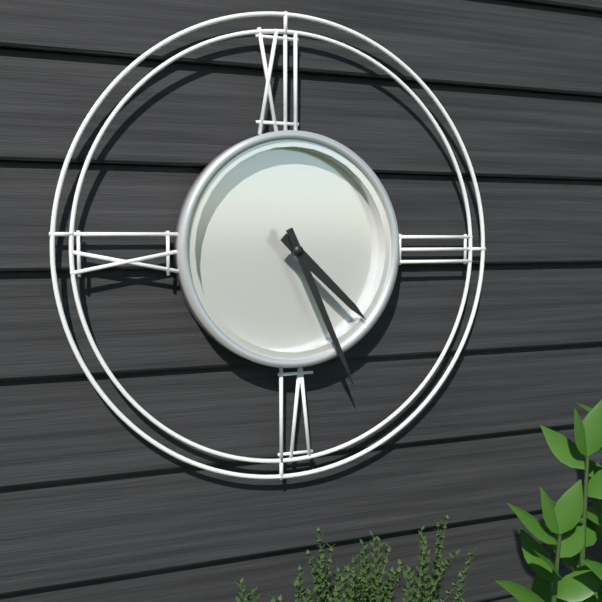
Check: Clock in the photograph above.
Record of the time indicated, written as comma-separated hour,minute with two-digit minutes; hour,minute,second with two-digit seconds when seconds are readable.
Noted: 4,26
